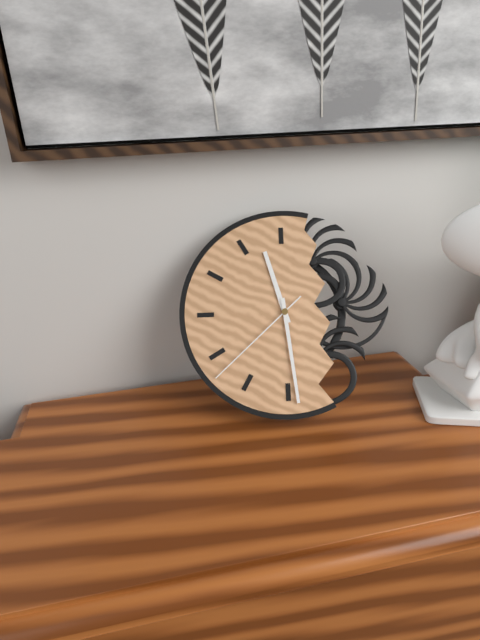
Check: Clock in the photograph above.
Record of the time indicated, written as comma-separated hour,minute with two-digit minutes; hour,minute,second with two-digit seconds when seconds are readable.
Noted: 11,29,38
